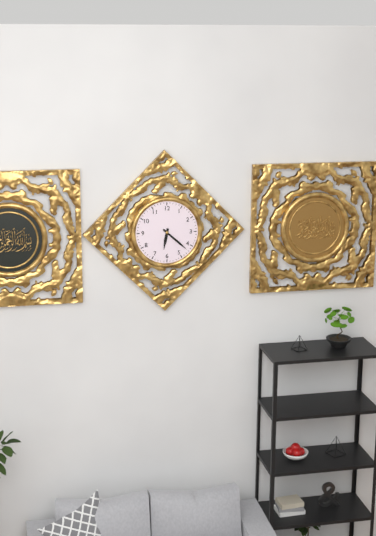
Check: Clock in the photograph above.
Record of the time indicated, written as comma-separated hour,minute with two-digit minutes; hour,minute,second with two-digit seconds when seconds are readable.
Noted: 6,22
